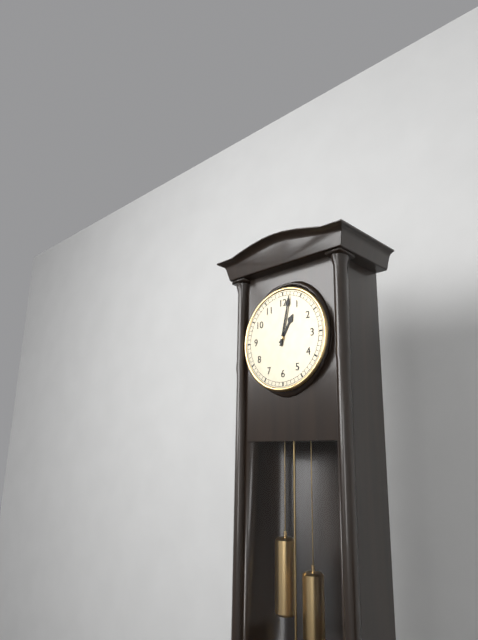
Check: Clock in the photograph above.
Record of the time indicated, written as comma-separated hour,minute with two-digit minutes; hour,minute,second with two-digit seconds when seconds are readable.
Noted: 1,02
